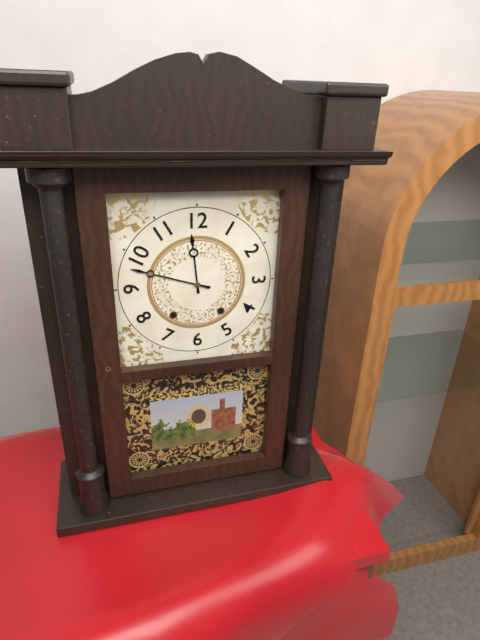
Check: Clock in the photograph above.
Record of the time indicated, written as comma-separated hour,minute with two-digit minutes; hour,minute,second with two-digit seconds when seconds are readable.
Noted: 11,48
